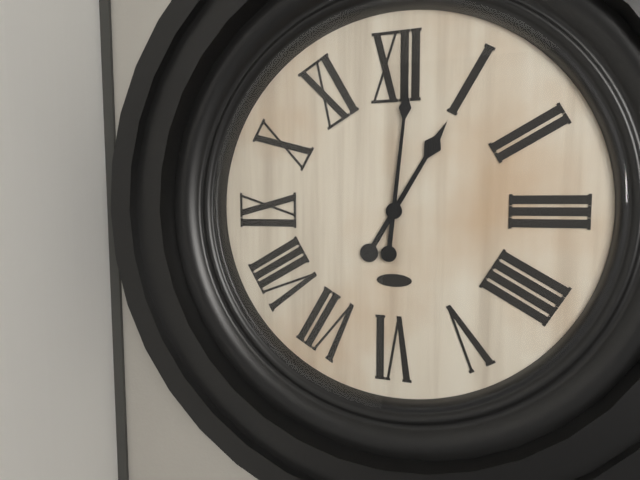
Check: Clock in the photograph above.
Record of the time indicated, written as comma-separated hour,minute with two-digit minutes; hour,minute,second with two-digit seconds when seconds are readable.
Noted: 1,01
